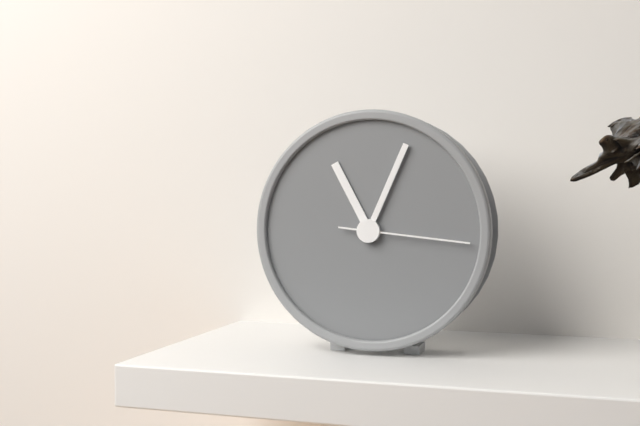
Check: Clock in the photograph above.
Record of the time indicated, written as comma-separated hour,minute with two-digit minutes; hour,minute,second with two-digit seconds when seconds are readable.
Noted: 11,04,16
